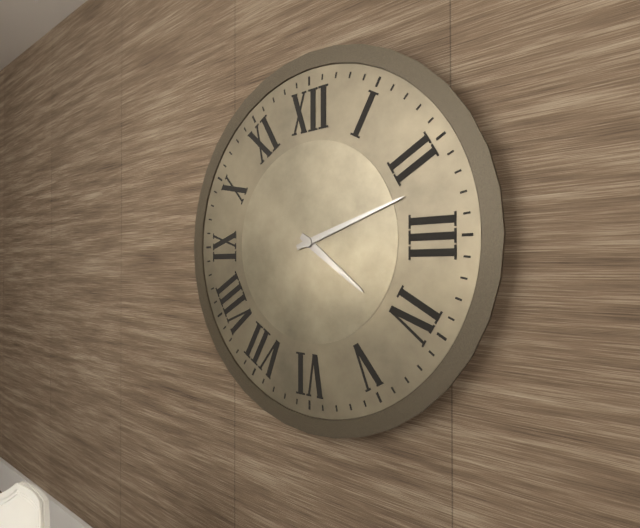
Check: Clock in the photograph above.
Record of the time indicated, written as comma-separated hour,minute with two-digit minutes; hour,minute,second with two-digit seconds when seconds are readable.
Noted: 4,12
